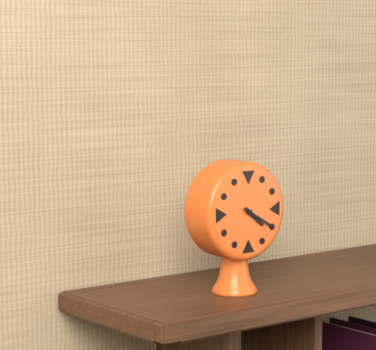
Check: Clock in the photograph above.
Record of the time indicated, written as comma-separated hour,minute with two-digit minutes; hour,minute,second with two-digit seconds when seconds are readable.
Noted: 4,20
